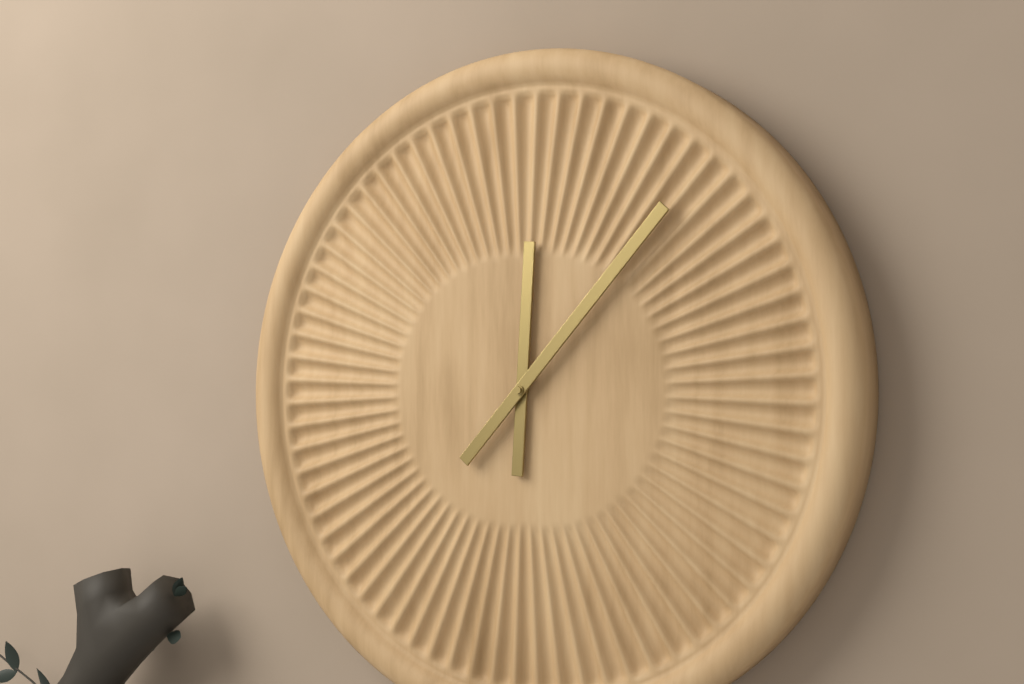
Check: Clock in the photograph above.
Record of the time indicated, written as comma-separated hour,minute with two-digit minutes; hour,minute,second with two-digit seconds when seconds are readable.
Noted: 12,07
